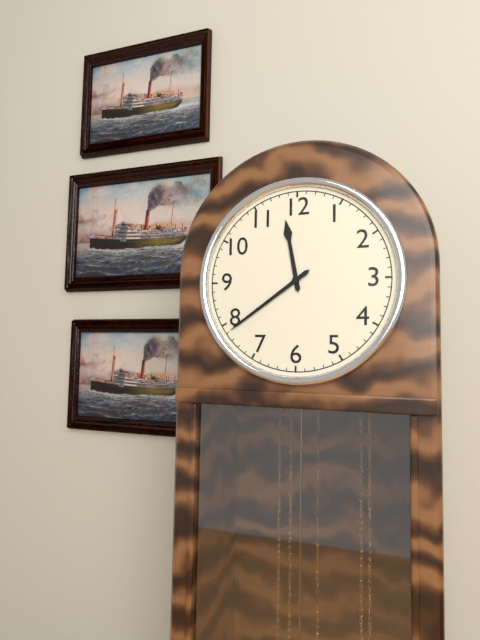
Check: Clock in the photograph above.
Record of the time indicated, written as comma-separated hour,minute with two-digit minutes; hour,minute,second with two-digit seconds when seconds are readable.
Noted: 11,39
